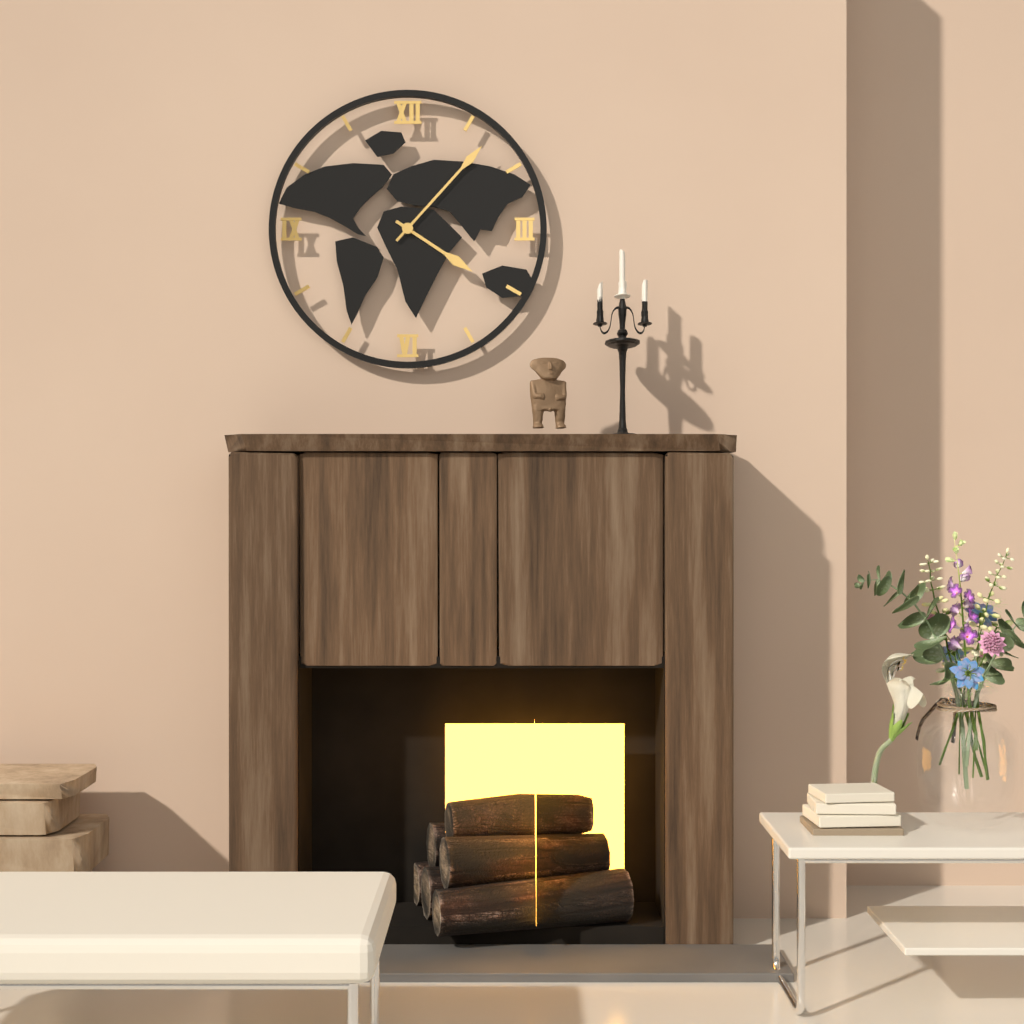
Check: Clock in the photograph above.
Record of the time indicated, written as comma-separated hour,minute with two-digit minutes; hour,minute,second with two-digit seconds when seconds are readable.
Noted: 4,07
